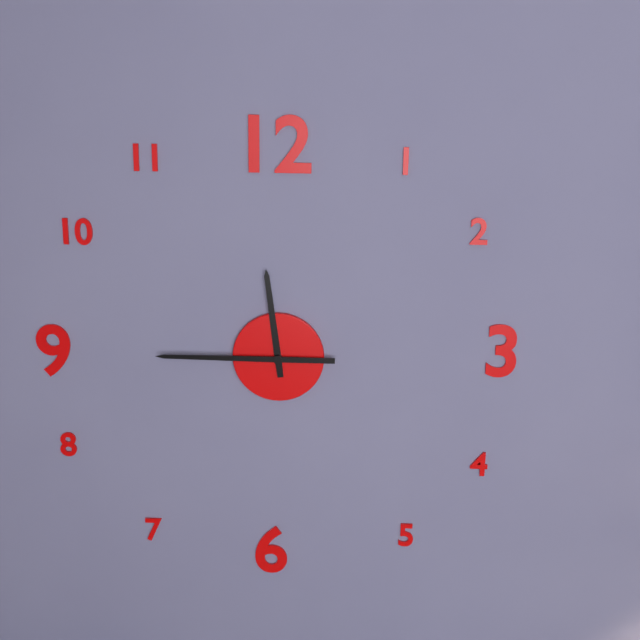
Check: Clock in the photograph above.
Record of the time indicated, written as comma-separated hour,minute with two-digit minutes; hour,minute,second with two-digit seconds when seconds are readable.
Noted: 11,45
